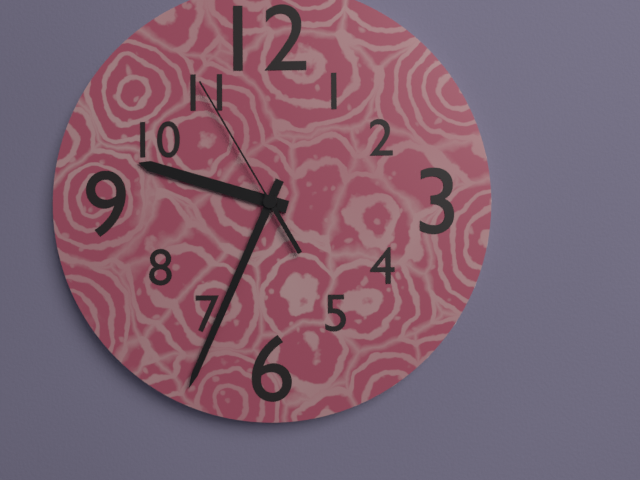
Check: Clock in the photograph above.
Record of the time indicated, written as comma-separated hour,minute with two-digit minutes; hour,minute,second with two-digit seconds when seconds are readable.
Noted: 9,34,55
